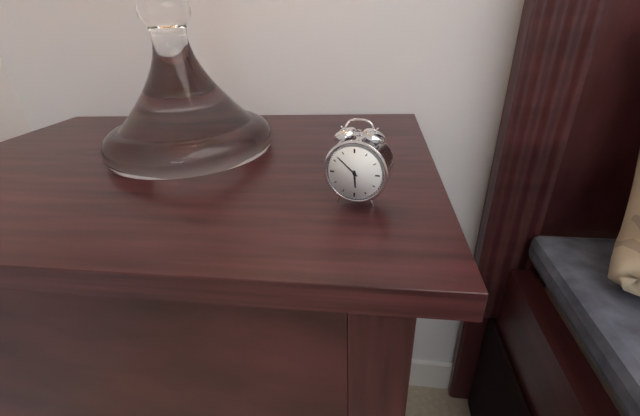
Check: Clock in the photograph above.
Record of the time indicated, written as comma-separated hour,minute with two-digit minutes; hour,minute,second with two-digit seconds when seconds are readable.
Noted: 5,52
